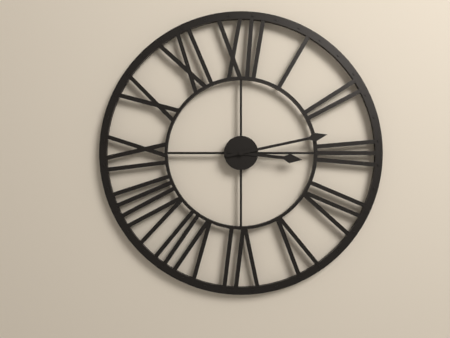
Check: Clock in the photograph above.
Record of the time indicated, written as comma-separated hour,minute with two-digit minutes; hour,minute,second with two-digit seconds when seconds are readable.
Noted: 3,13
